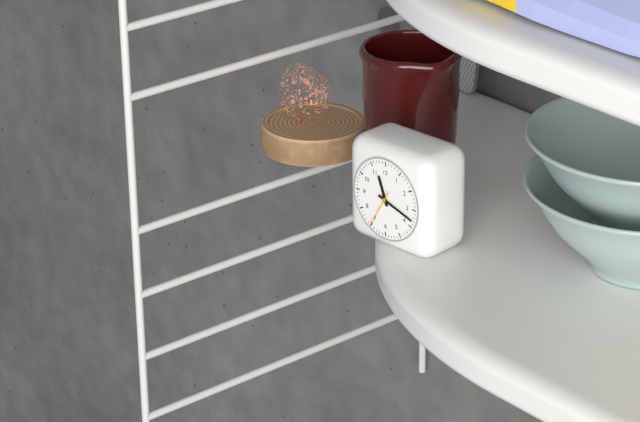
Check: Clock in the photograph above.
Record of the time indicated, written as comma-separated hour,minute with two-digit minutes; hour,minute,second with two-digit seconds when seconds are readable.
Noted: 11,18
